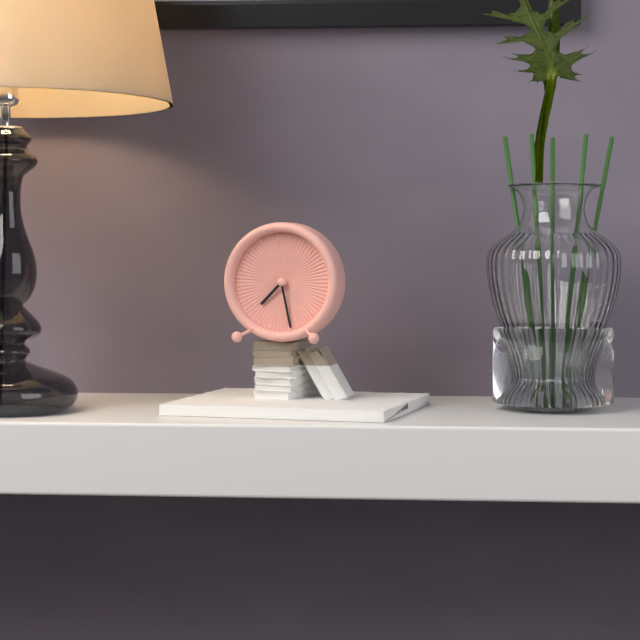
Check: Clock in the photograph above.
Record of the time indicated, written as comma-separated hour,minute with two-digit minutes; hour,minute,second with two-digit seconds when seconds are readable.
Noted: 7,28
